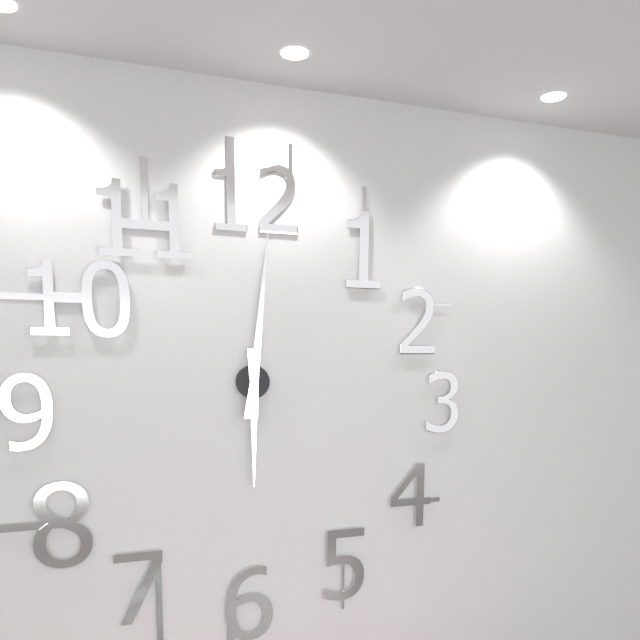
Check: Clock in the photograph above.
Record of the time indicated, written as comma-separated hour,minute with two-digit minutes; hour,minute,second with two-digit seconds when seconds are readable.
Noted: 6,01
